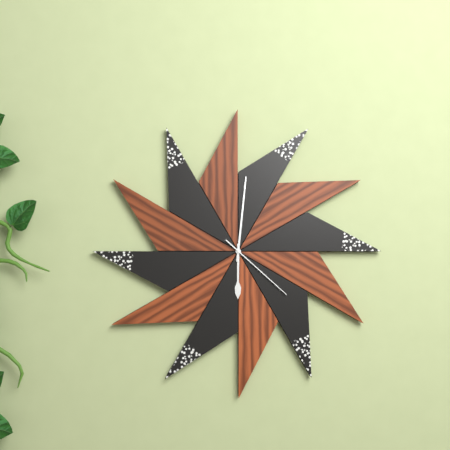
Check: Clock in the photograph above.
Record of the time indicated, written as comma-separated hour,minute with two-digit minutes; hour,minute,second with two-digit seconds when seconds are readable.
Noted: 6,01,22
